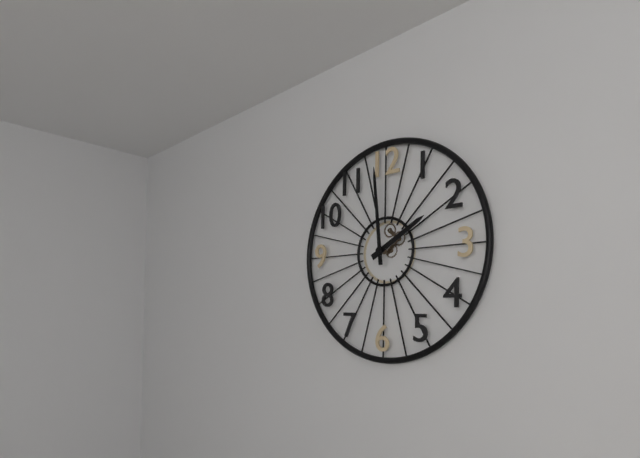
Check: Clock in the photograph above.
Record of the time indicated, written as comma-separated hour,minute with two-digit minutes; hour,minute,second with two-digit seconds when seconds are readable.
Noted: 1,59
